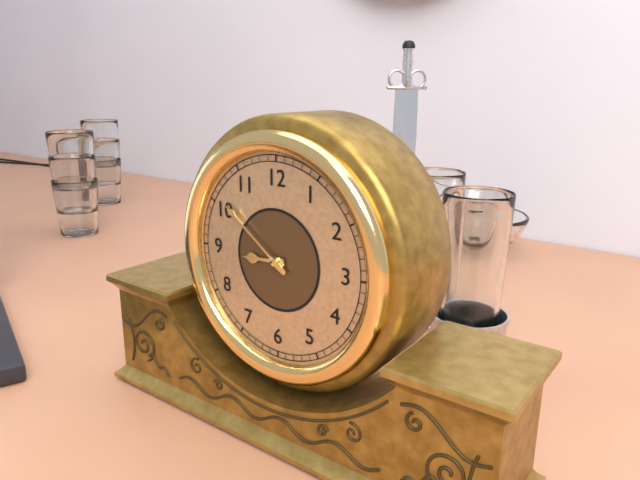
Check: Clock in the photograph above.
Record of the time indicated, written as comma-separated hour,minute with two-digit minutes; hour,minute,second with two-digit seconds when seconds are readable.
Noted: 8,51
